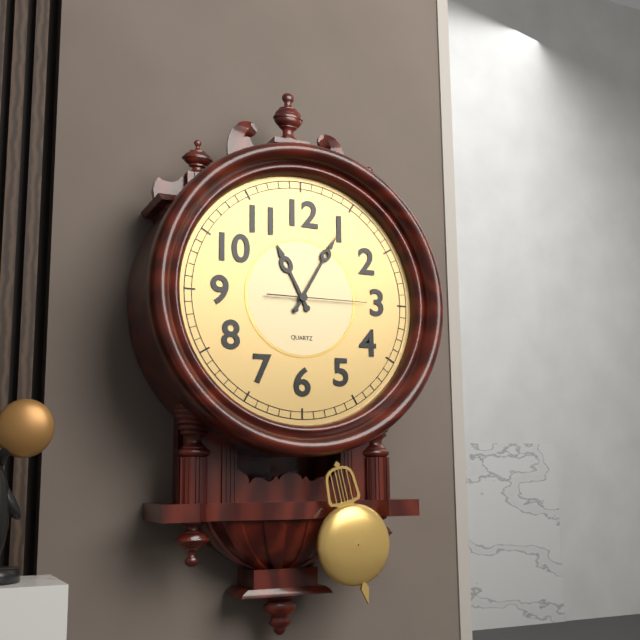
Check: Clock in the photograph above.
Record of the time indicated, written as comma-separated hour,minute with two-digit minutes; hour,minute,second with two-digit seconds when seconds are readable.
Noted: 11,05,15
